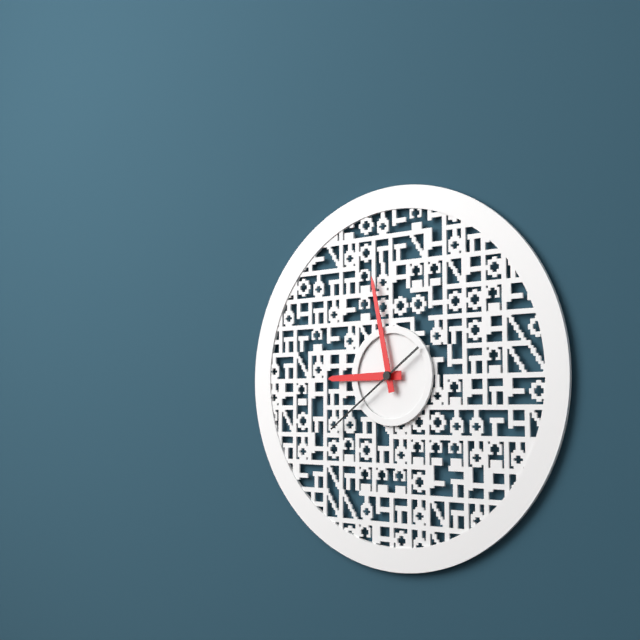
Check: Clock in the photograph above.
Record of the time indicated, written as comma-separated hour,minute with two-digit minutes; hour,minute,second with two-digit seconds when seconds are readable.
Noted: 8,58,39
